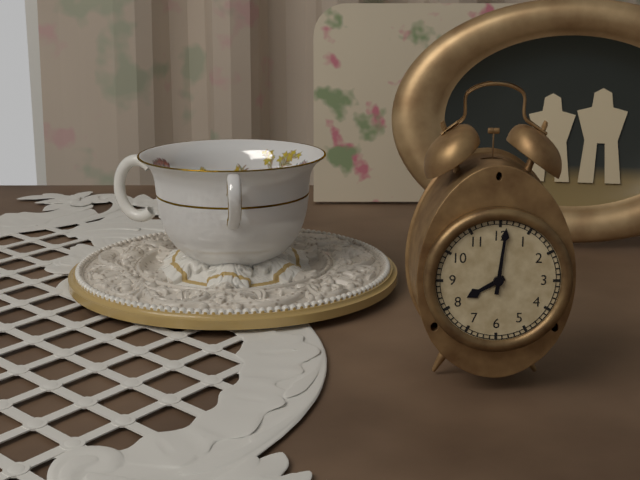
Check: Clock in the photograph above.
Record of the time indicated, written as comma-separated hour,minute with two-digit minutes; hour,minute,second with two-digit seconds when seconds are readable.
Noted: 8,01
